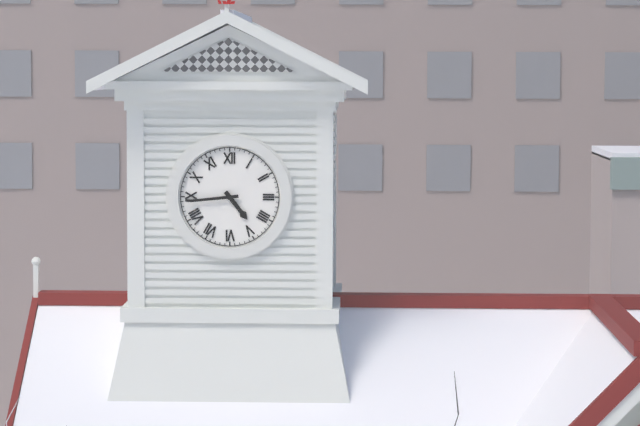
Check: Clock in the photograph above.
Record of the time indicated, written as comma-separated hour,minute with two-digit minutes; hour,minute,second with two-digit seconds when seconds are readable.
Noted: 4,44
